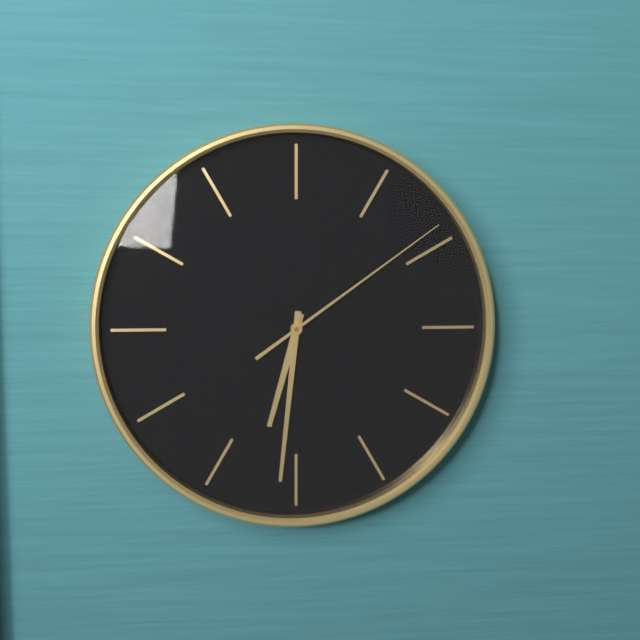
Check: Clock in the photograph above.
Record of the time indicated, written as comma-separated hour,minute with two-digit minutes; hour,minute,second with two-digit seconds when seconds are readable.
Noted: 6,31,09
